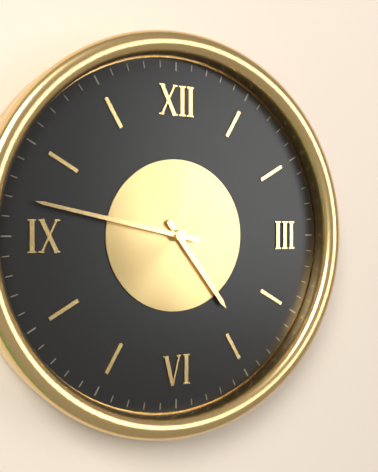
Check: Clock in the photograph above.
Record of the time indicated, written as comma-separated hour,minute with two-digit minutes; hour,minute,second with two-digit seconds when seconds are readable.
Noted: 4,47
